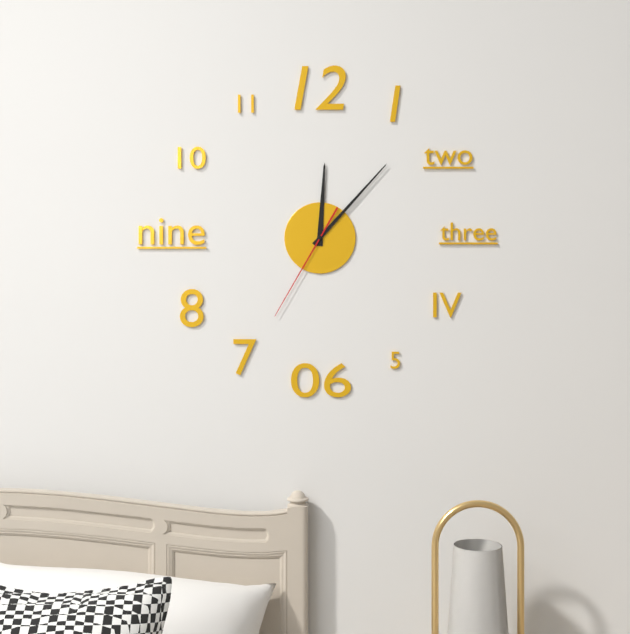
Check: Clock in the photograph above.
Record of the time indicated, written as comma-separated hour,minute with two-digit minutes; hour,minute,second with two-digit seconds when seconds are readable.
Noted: 12,07,35
